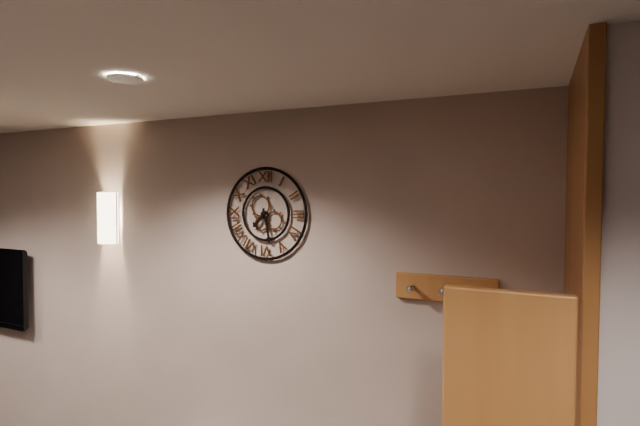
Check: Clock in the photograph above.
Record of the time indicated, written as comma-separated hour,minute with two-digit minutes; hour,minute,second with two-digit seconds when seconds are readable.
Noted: 7,28
